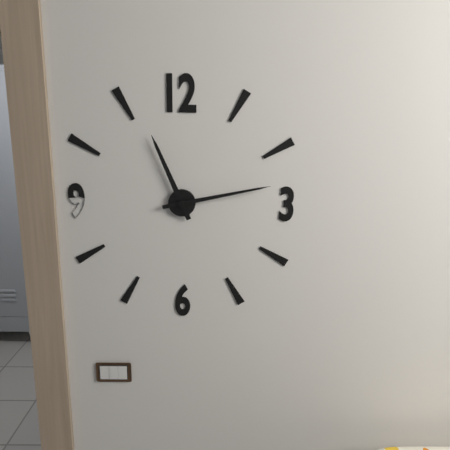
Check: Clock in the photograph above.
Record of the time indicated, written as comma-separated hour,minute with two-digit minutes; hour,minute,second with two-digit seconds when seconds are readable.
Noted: 11,13
